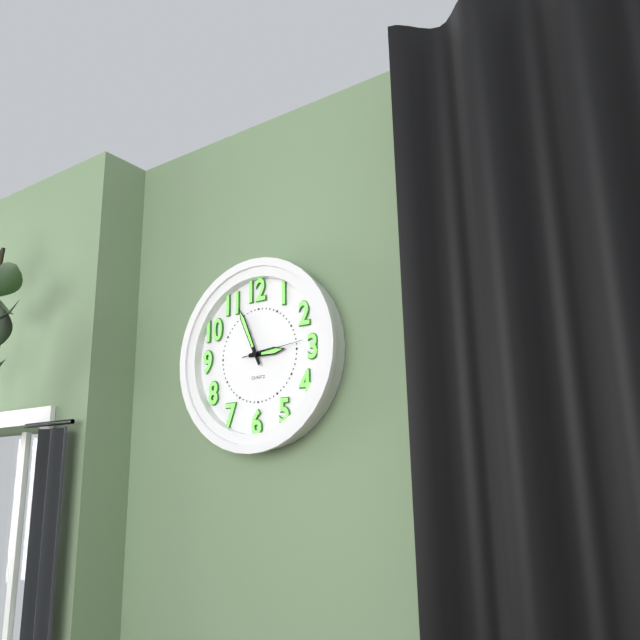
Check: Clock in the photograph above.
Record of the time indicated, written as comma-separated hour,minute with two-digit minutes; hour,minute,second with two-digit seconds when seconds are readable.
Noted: 2,56,14
